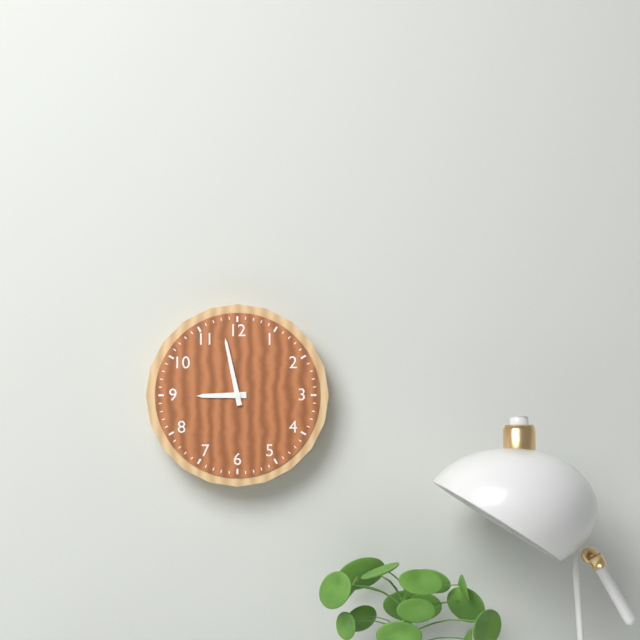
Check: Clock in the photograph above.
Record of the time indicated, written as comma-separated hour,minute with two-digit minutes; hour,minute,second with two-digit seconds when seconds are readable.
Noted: 8,58
